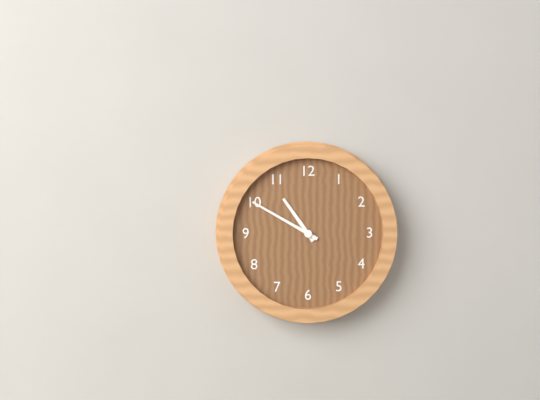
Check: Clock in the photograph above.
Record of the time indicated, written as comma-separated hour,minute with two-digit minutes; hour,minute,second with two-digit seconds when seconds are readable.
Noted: 10,50
